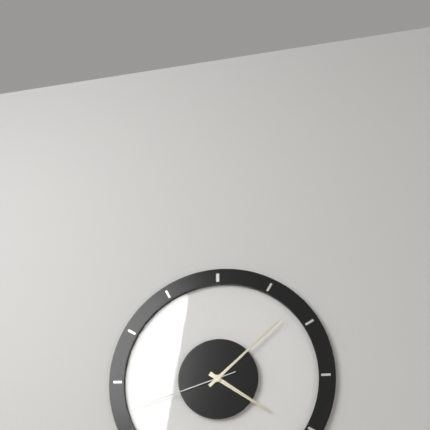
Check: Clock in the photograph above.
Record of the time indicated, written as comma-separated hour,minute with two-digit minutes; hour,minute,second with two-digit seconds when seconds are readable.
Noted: 4,08,42
